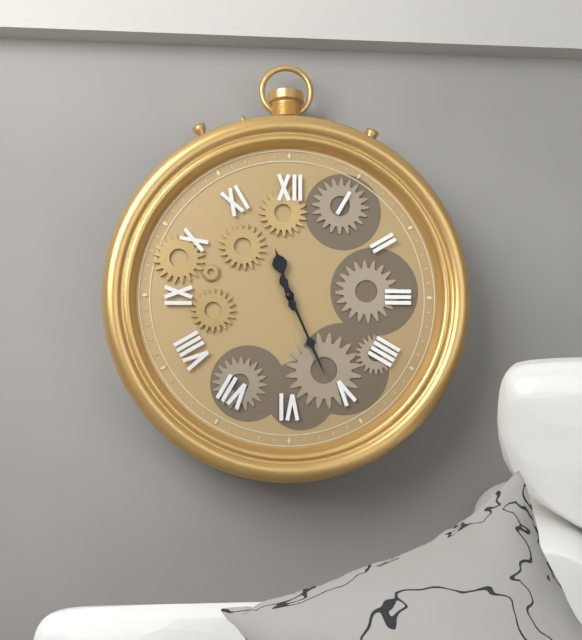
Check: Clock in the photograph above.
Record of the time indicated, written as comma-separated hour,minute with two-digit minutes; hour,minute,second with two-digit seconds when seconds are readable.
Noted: 11,26
